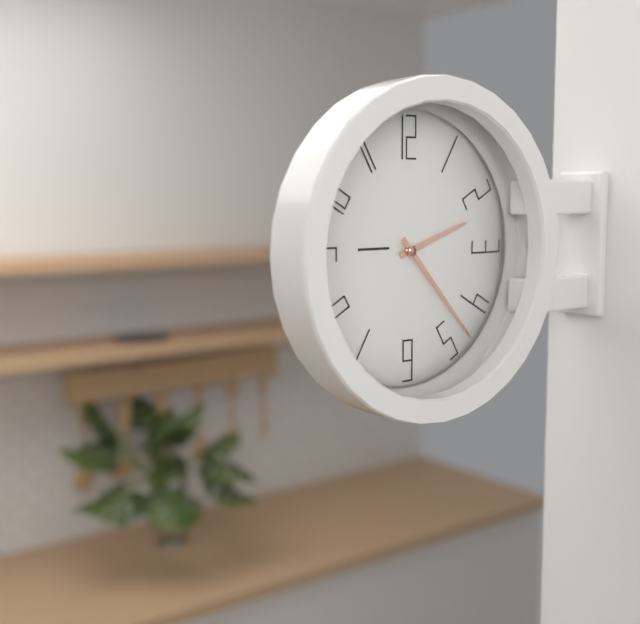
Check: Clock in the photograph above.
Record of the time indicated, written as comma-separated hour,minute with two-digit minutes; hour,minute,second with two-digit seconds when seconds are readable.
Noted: 2,23
